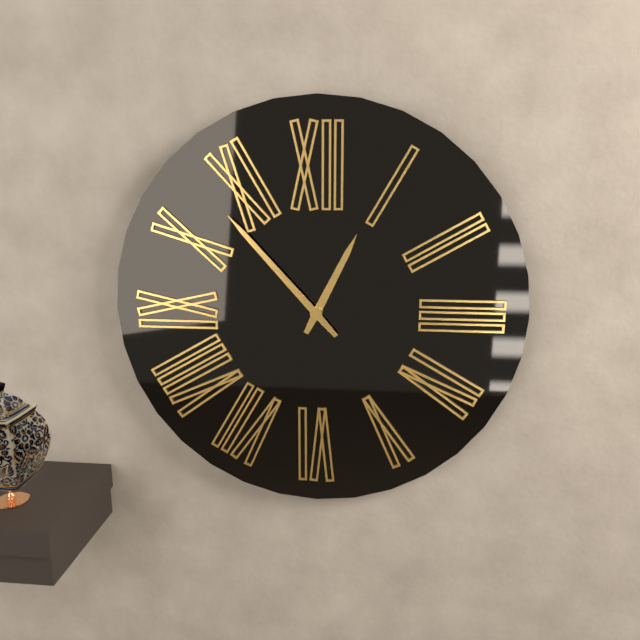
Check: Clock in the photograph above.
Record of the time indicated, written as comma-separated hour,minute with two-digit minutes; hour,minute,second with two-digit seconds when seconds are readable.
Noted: 12,53
